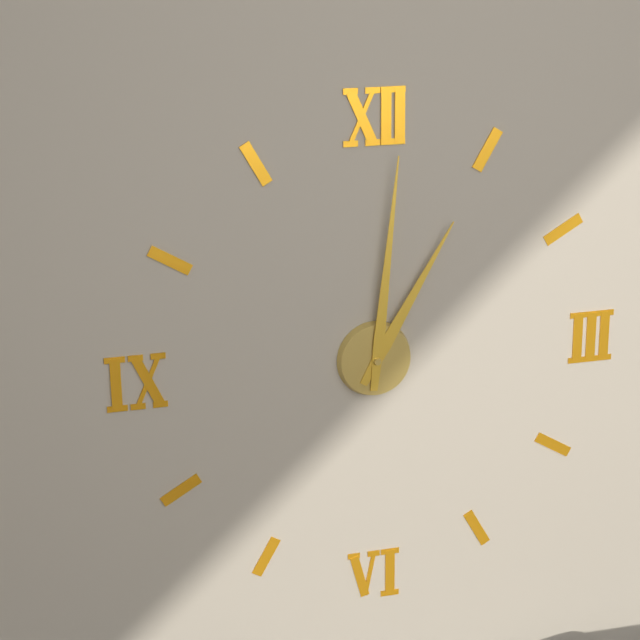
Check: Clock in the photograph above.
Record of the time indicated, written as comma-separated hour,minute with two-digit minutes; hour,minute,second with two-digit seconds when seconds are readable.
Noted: 1,01
